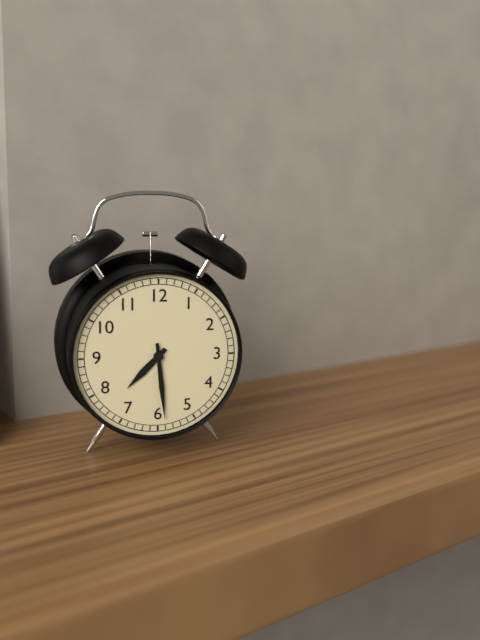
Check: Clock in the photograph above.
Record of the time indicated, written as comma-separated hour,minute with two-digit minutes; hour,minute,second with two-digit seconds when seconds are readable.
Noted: 7,29
